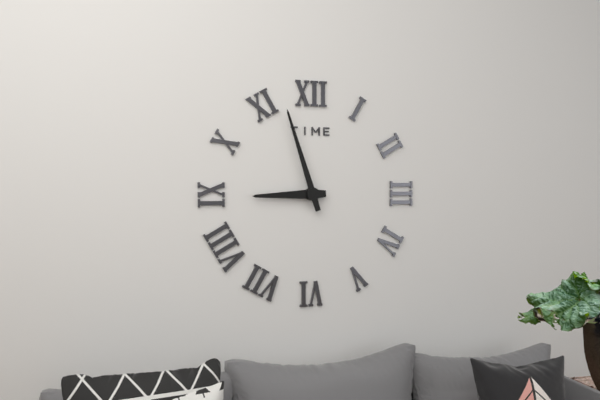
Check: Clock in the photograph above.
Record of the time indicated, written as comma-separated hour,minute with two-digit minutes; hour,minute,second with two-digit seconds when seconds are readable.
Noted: 8,57
